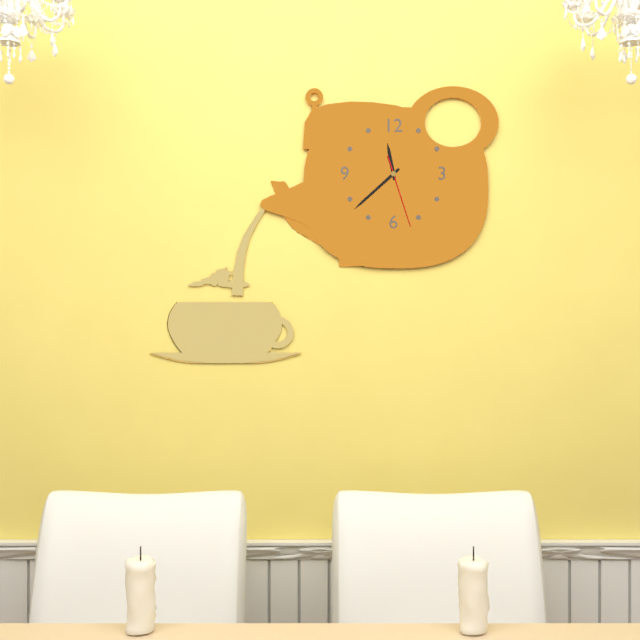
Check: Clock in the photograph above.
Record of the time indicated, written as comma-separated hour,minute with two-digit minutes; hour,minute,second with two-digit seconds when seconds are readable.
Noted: 11,38,27
